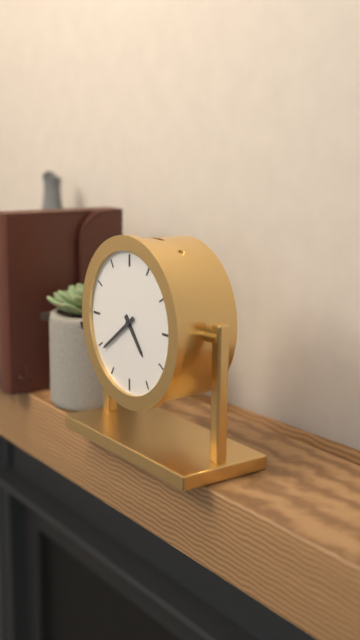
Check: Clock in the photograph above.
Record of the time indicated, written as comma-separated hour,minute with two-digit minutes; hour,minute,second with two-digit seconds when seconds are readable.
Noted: 4,39
